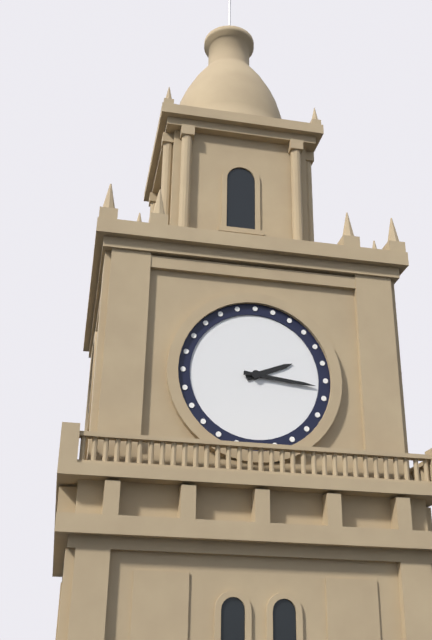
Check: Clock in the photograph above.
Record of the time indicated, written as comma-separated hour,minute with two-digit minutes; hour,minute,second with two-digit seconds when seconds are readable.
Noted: 2,16
